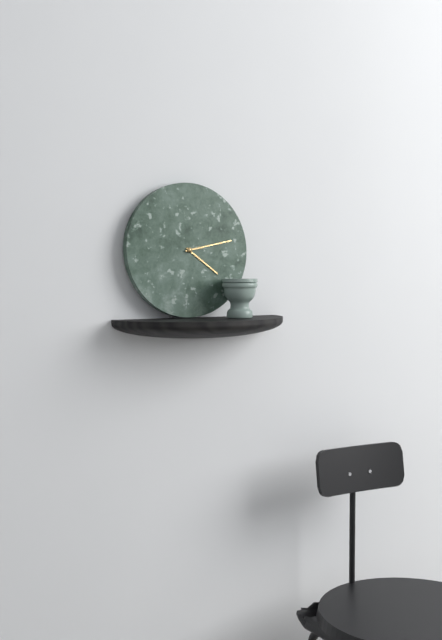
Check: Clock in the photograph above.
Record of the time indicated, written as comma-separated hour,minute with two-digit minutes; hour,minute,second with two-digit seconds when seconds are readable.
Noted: 4,13
